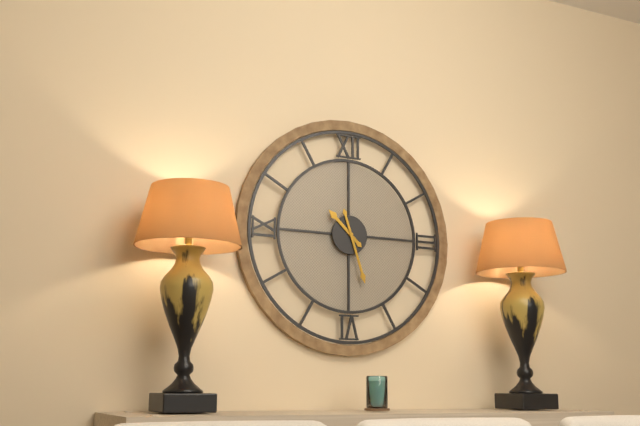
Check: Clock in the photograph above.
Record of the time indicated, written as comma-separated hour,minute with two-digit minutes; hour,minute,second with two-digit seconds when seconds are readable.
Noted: 10,27
